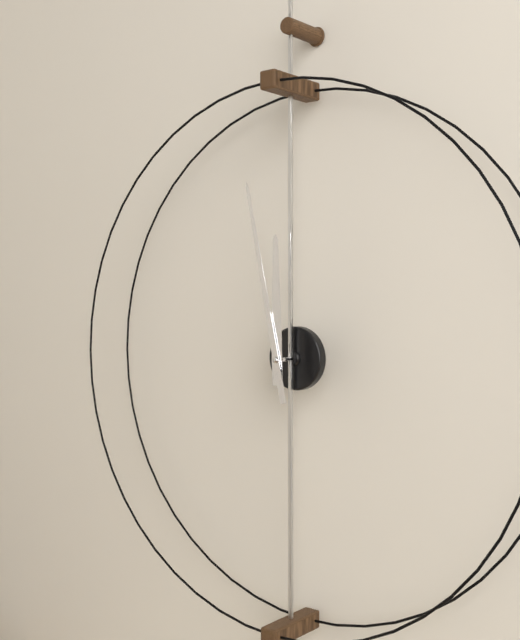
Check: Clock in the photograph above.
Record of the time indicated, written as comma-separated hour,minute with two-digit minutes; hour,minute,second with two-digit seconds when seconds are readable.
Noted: 11,58
